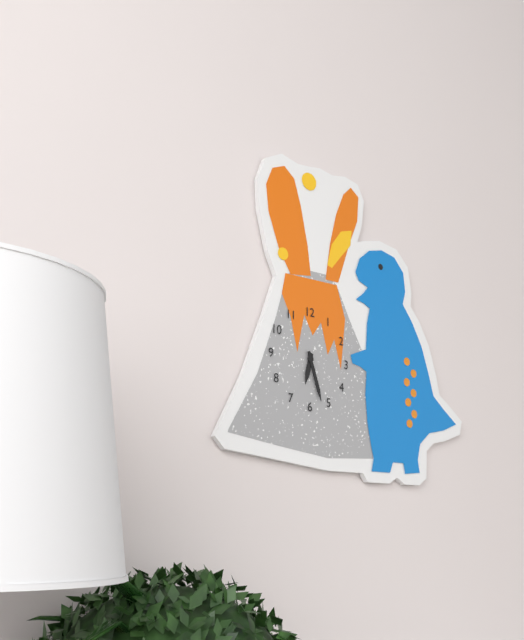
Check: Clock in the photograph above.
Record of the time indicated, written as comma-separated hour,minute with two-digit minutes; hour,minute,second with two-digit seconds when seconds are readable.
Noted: 6,27
